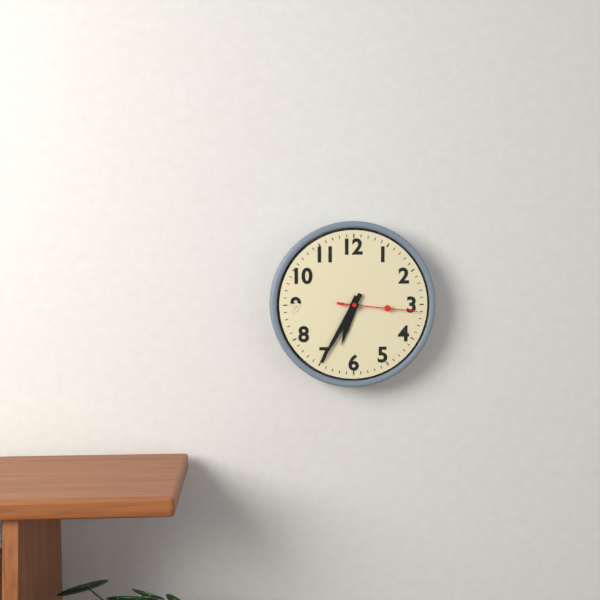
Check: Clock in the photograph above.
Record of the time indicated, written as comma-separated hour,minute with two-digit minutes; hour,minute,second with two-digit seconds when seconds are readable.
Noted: 6,35,16
